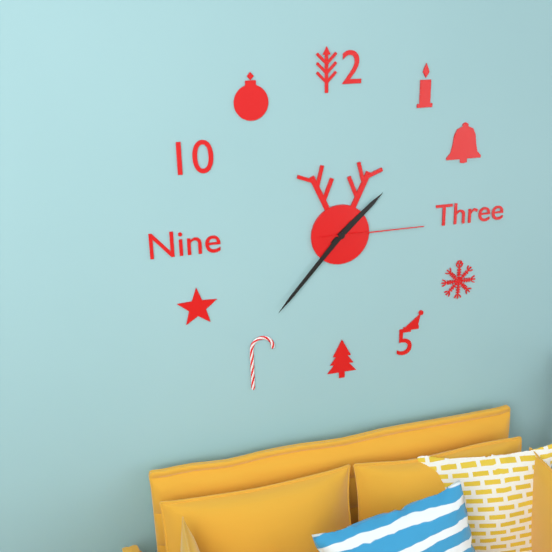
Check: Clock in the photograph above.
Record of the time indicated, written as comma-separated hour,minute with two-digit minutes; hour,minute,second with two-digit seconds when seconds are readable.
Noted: 1,37,15
